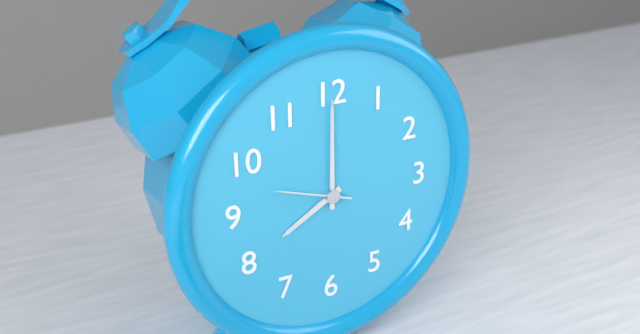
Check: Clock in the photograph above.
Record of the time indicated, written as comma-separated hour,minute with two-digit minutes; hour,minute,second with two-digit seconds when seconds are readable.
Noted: 8,00,48
